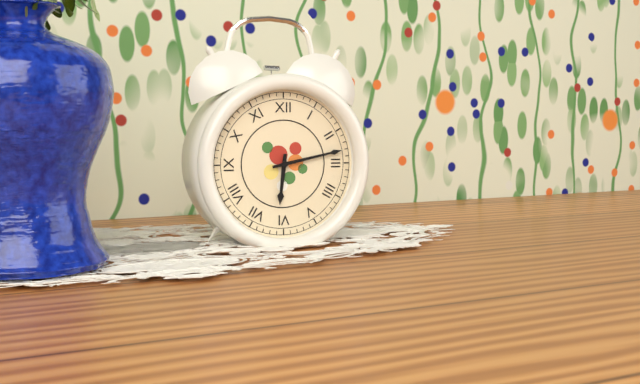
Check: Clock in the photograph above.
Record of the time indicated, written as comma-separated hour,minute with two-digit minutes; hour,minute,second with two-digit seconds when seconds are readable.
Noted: 6,13
